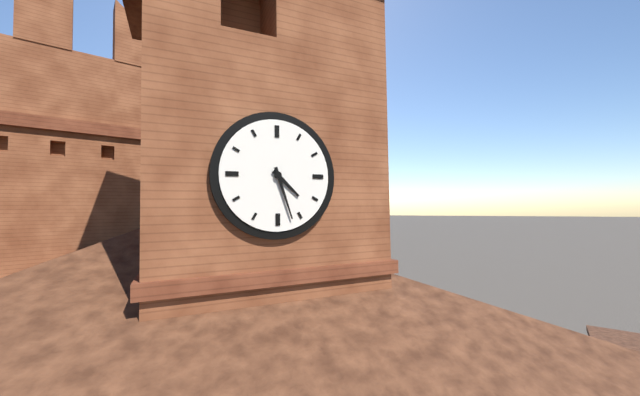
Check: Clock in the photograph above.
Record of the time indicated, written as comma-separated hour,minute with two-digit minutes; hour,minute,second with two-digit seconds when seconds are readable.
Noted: 4,27
